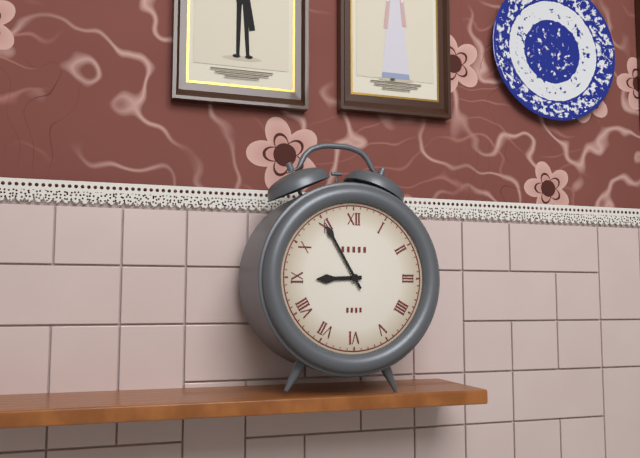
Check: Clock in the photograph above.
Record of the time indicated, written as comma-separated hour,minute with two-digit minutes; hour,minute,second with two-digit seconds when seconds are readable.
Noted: 8,55
